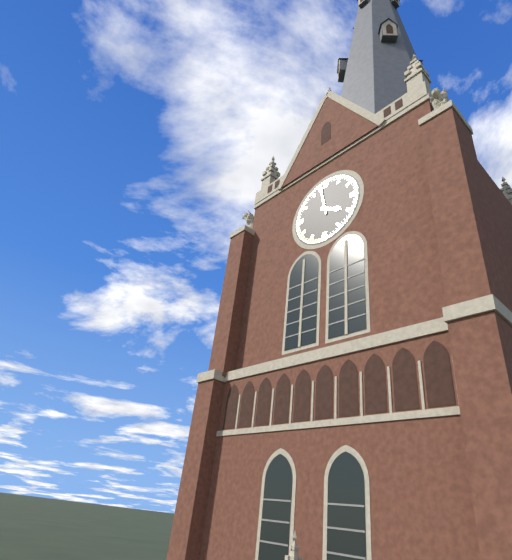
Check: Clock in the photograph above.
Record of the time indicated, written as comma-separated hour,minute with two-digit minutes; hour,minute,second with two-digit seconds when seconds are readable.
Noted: 3,58
